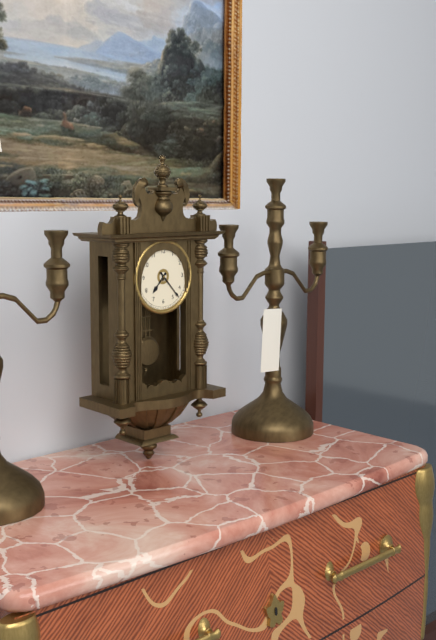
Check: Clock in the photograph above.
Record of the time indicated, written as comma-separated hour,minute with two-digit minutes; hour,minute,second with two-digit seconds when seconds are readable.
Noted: 7,23
